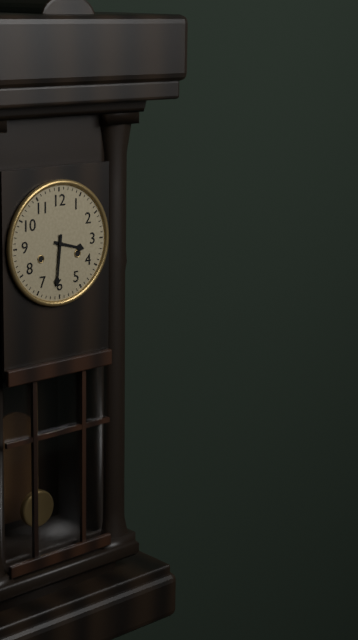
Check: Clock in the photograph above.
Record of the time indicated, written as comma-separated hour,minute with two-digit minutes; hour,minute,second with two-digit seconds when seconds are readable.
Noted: 3,31
